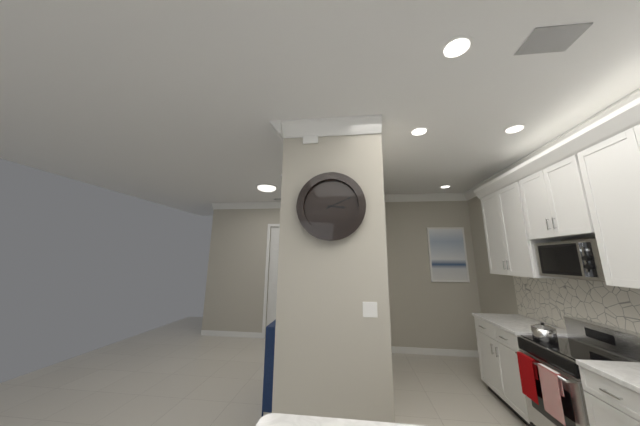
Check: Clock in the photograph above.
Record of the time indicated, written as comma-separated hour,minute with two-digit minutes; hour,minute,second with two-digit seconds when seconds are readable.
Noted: 3,11
